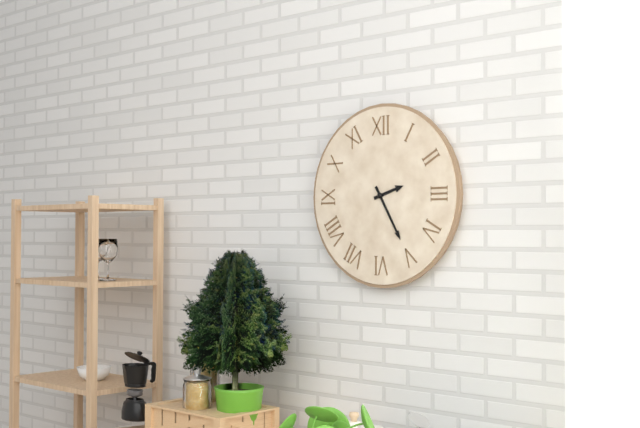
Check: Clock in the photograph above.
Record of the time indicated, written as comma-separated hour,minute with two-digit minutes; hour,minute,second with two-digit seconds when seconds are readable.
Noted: 2,25
